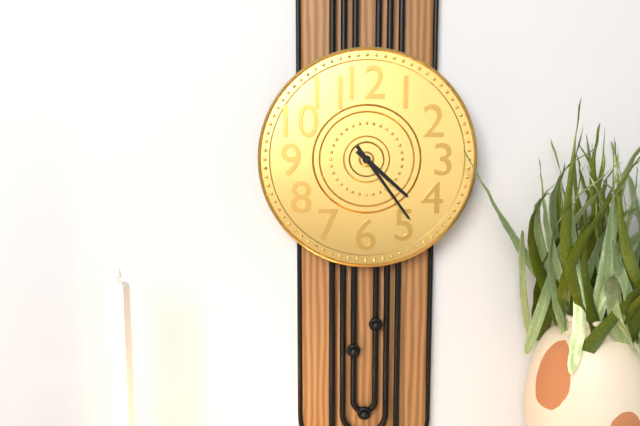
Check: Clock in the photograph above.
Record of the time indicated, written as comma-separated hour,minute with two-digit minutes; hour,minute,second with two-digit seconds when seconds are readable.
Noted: 4,24
